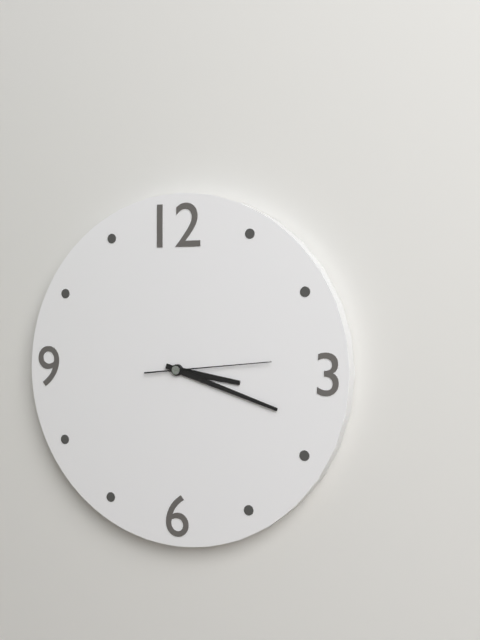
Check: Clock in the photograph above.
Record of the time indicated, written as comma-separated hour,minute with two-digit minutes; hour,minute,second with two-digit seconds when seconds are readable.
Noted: 3,18,14
